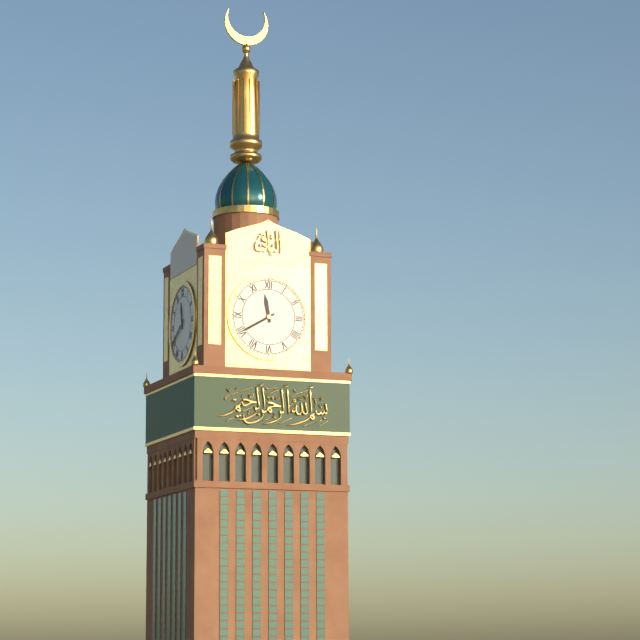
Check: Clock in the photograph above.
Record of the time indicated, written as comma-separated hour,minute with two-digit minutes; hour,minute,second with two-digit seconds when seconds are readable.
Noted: 11,40
